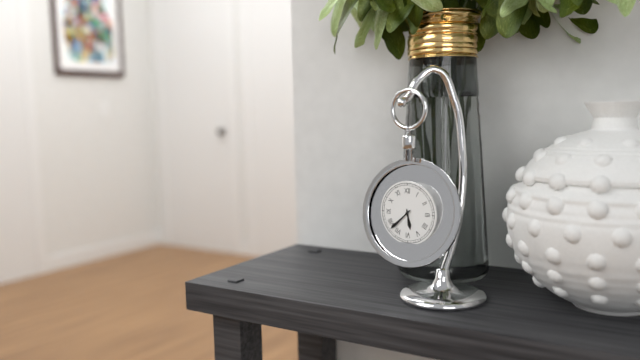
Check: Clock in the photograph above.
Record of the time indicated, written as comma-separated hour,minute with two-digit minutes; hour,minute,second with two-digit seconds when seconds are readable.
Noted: 5,38
